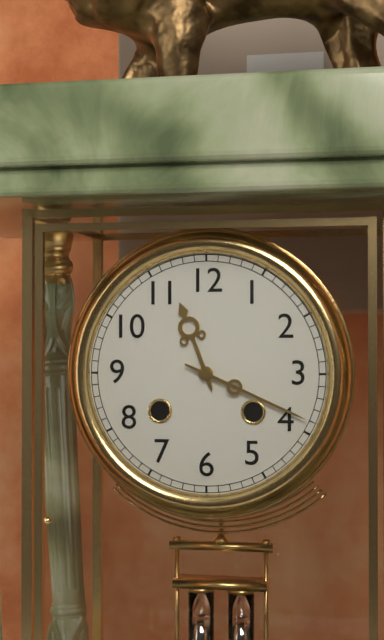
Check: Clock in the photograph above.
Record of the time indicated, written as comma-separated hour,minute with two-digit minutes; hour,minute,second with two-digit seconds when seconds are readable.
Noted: 11,19
